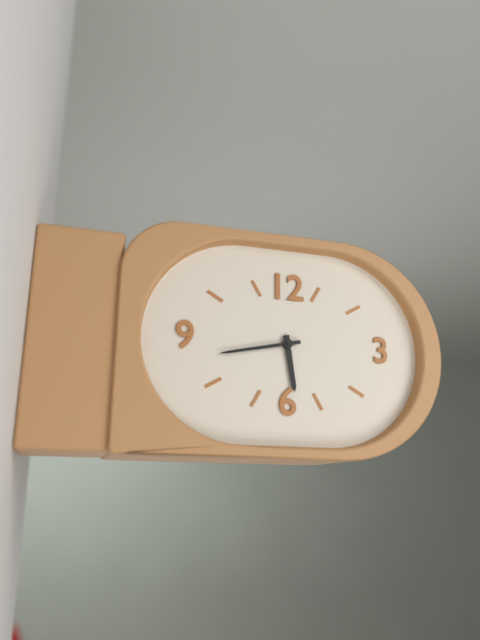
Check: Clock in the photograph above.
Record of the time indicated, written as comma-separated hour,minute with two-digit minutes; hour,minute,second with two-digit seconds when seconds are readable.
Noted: 5,43
